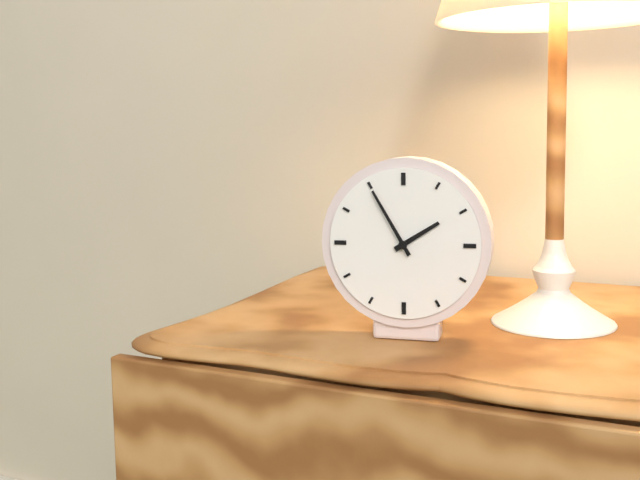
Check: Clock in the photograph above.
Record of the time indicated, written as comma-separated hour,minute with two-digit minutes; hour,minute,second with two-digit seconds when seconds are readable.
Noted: 1,55
